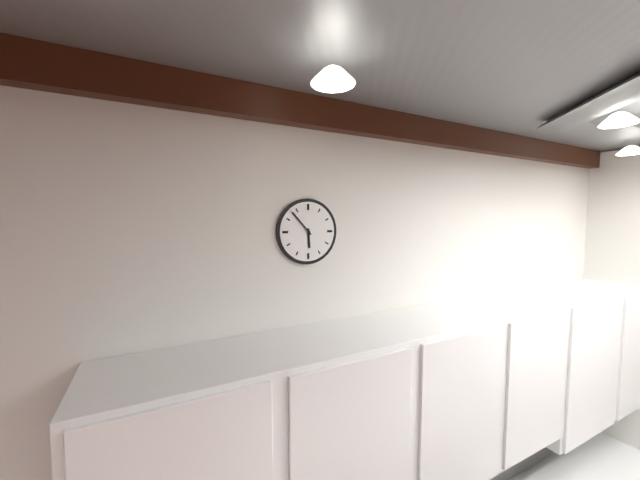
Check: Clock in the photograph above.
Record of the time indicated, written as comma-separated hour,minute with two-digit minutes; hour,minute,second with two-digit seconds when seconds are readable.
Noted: 5,53
